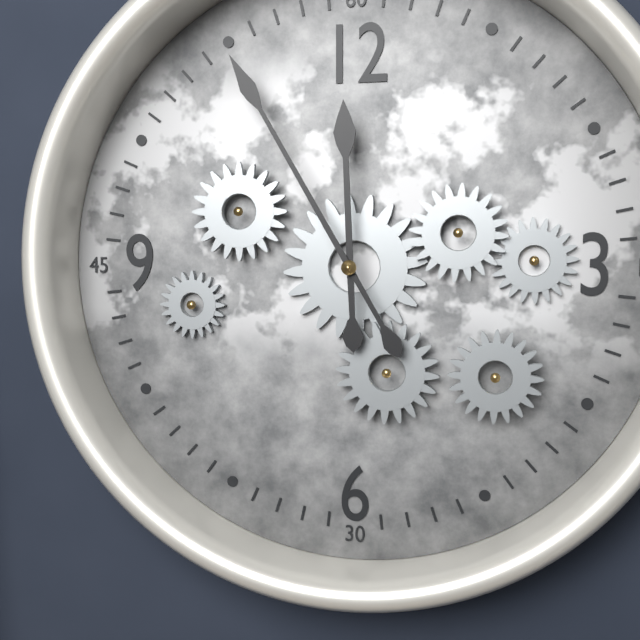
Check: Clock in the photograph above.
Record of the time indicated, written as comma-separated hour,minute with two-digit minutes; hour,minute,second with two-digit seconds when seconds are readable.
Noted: 11,55
